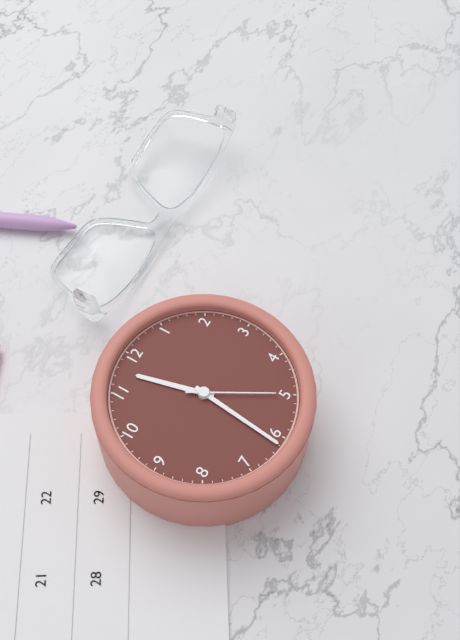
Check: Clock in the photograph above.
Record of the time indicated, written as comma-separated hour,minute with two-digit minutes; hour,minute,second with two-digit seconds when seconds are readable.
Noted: 11,31,25
